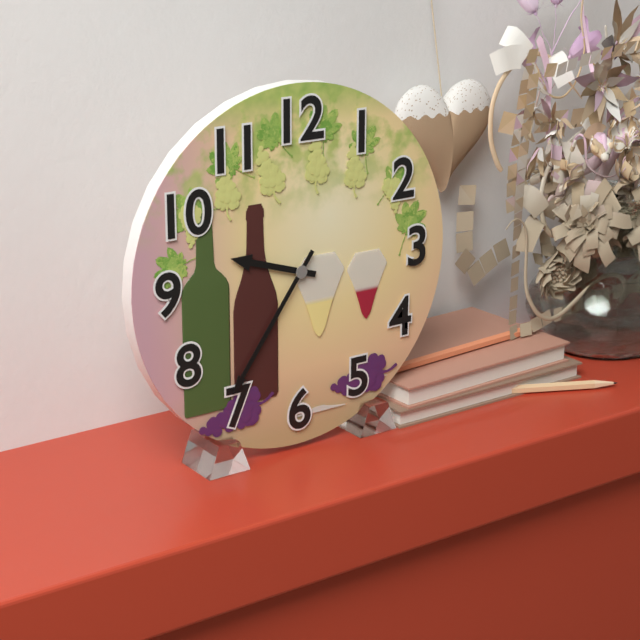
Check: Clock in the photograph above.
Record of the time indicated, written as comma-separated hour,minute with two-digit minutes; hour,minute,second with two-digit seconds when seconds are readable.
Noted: 9,36
